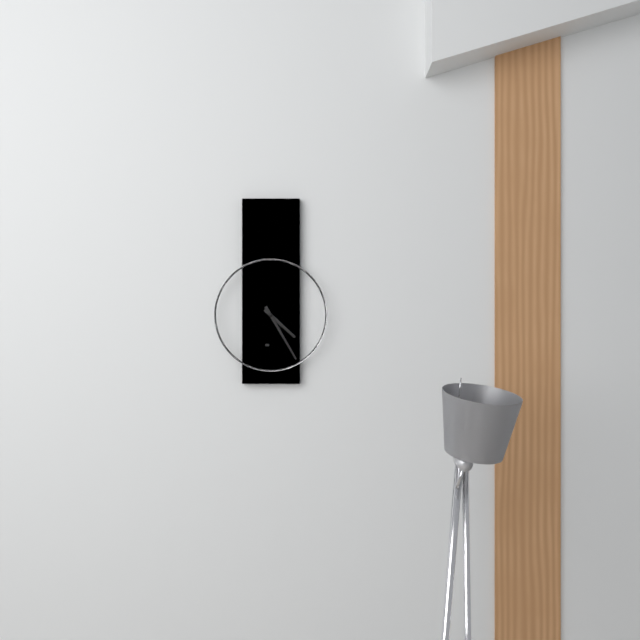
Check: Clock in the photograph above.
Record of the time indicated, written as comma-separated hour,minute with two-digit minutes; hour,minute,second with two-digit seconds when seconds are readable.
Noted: 4,25
